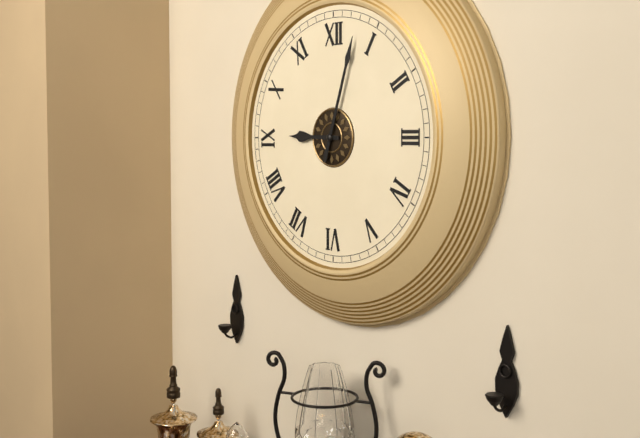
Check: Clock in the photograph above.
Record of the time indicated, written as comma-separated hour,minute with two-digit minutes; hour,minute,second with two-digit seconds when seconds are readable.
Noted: 9,03
